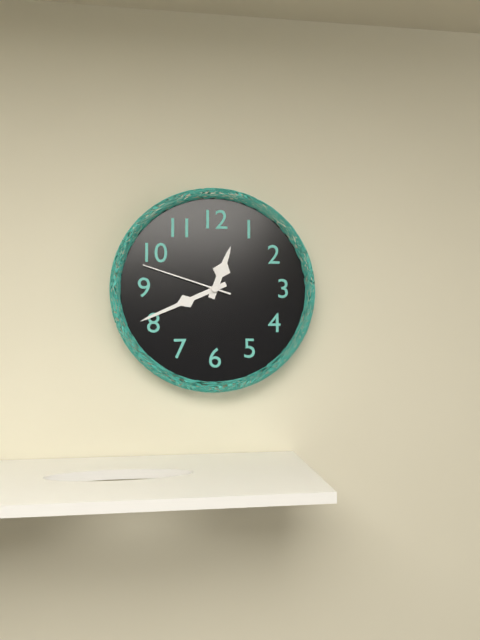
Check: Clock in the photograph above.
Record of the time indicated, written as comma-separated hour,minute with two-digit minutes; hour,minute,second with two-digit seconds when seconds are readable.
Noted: 12,41,48
